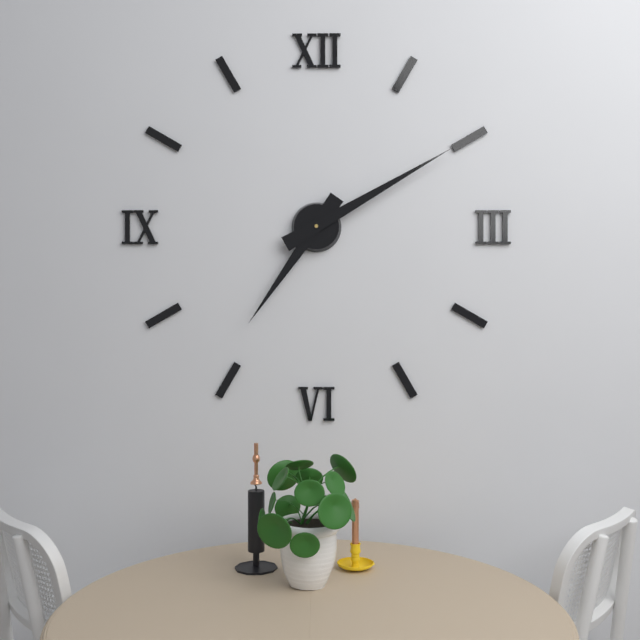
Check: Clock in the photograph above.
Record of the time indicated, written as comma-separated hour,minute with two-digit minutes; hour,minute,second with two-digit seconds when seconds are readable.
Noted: 7,10
